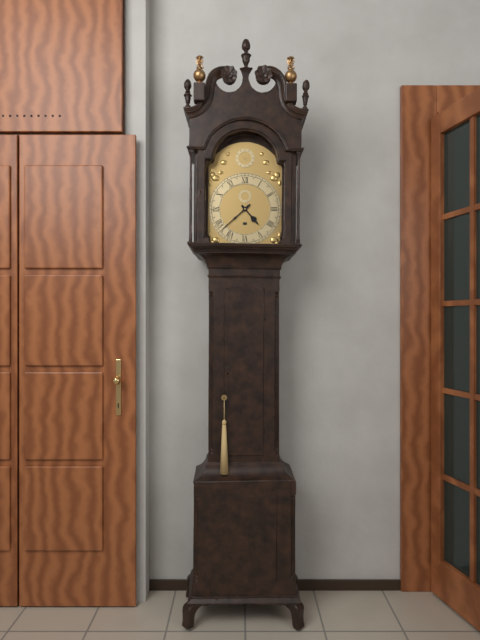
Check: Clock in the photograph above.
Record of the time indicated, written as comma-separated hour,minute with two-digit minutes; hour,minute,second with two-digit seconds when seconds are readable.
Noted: 4,38
